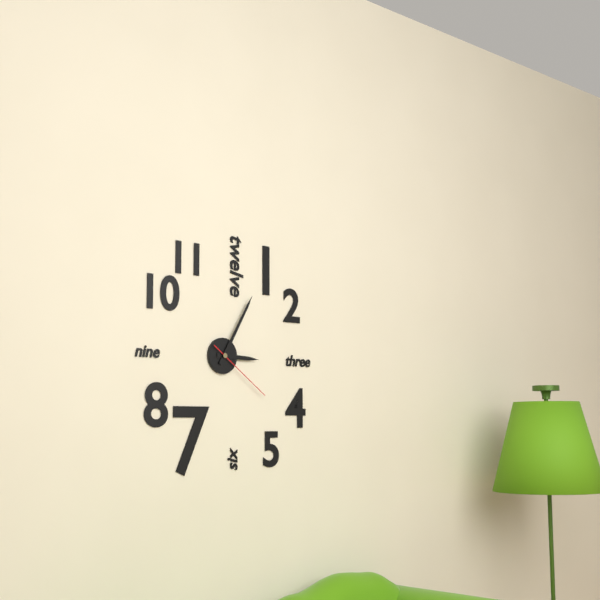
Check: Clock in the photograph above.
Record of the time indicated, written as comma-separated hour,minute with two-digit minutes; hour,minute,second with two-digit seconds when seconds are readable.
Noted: 3,05,21
